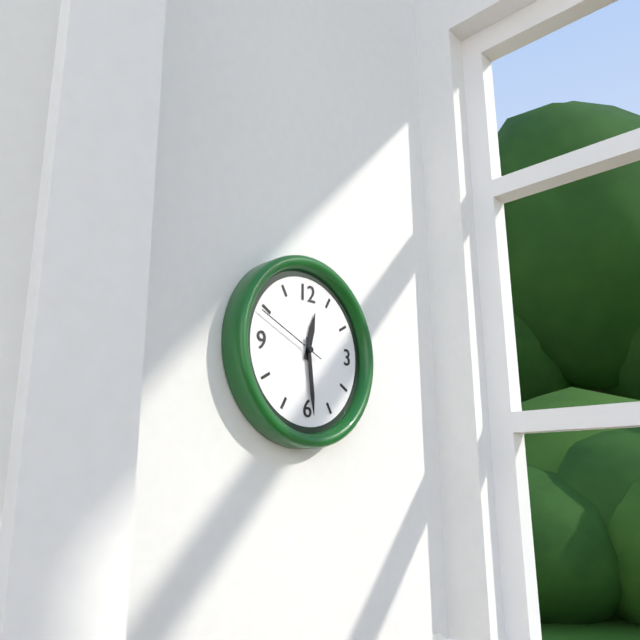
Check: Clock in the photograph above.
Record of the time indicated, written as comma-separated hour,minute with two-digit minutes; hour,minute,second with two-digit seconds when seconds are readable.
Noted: 12,29,49
